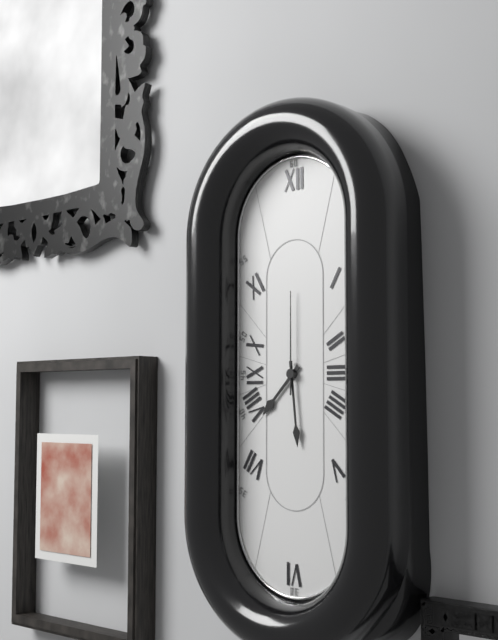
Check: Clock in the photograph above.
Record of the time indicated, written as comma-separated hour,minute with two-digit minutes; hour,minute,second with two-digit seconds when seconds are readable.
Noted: 7,29,00
